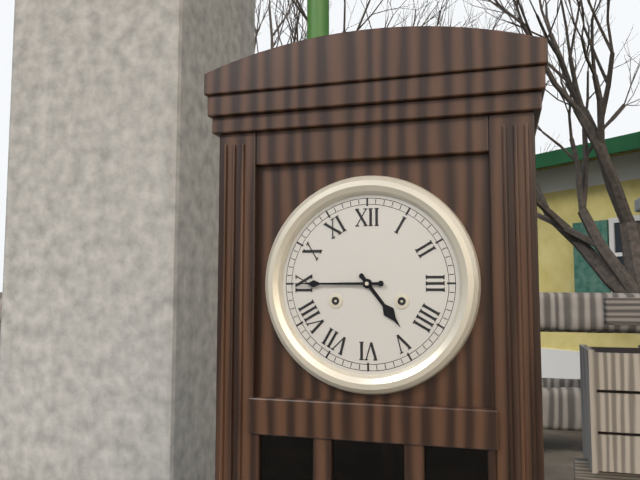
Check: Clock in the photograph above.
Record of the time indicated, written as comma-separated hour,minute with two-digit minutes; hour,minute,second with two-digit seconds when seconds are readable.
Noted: 4,45
